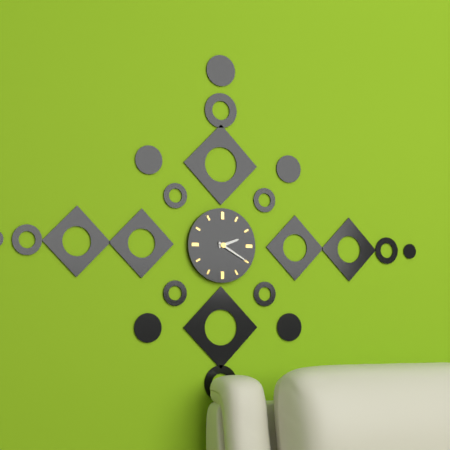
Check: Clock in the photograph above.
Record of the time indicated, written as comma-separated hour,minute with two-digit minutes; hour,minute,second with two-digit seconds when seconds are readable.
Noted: 2,20
